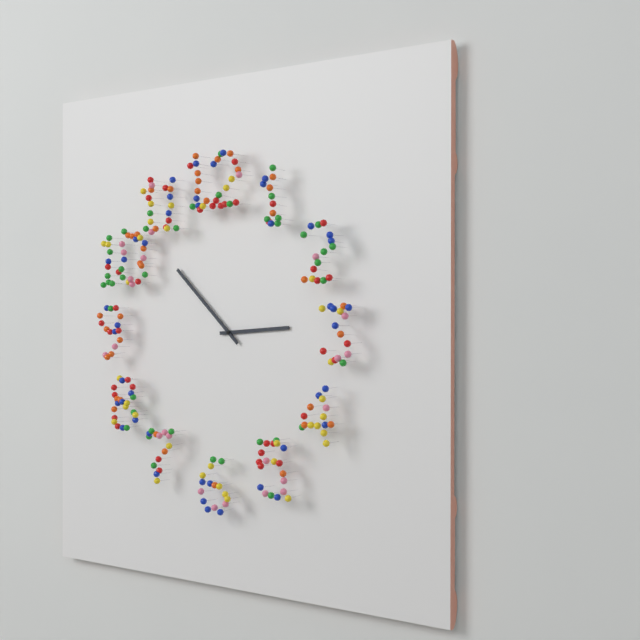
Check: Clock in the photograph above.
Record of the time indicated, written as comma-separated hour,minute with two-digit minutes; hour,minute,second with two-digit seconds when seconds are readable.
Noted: 2,52
